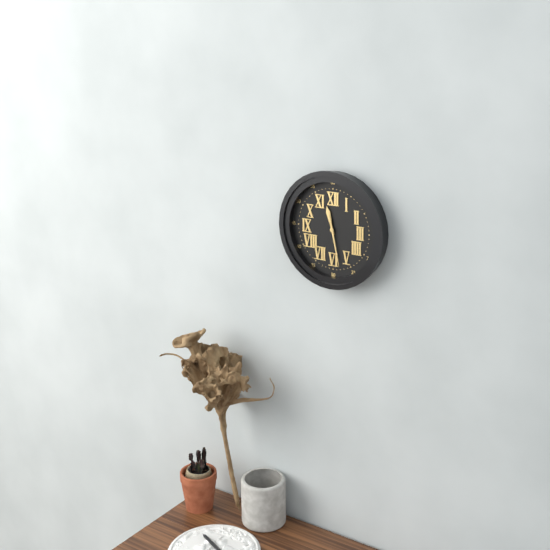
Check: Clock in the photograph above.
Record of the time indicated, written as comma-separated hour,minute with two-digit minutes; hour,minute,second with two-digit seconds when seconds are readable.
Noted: 11,28
